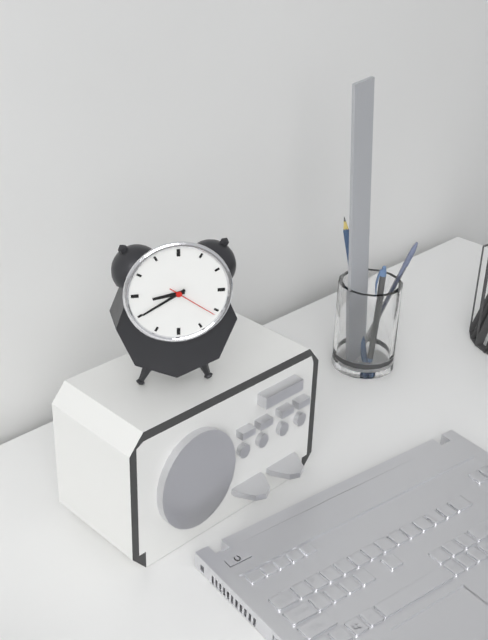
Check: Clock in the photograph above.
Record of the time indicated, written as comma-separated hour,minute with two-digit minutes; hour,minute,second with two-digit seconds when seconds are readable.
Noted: 8,40,21
